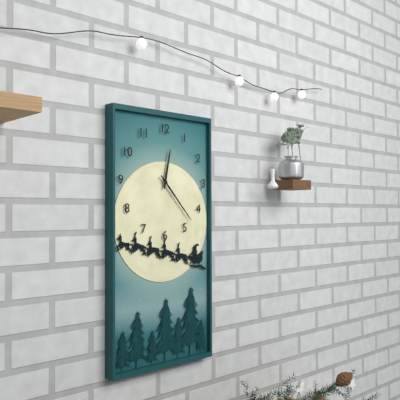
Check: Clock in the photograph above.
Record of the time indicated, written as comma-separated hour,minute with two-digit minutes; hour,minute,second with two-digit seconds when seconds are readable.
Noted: 12,23
